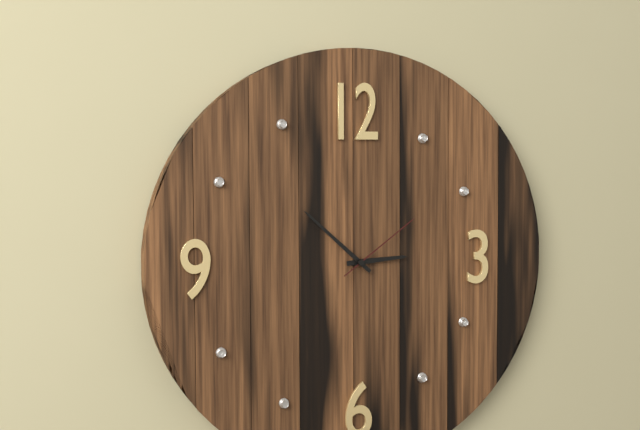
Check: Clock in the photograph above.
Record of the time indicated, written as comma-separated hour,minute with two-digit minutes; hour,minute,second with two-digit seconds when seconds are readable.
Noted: 2,52,09
